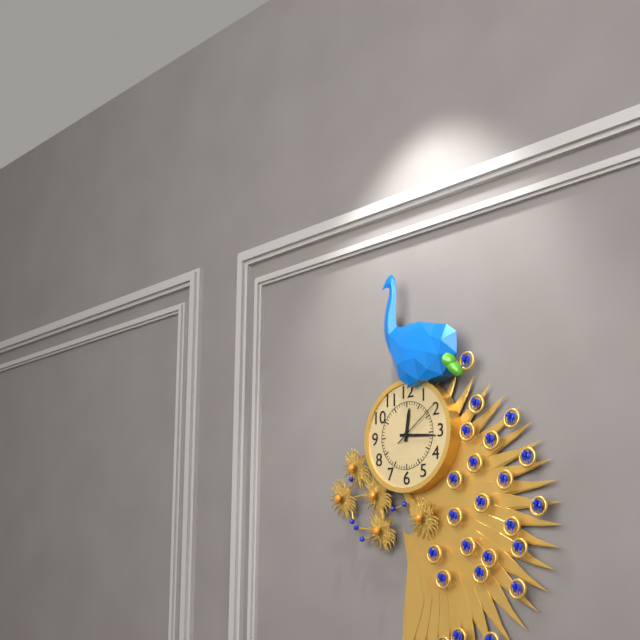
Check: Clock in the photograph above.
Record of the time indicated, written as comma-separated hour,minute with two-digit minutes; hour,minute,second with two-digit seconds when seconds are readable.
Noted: 12,16,09
